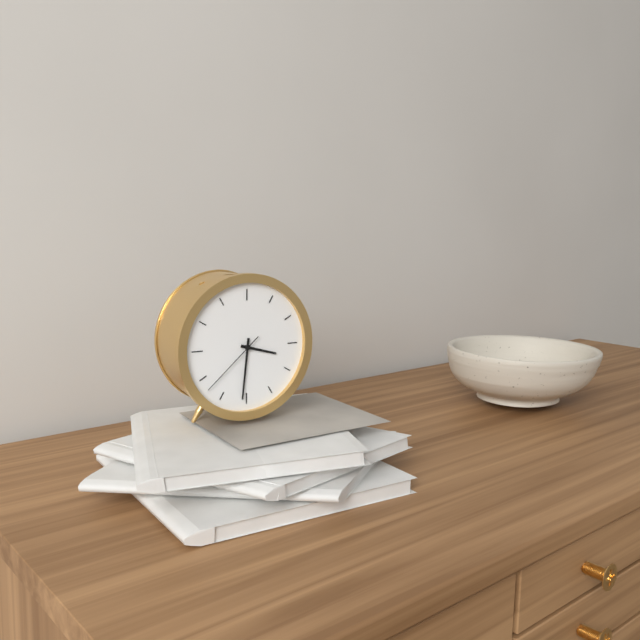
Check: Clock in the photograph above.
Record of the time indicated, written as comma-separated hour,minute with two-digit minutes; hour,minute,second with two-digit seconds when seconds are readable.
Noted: 3,31,38
